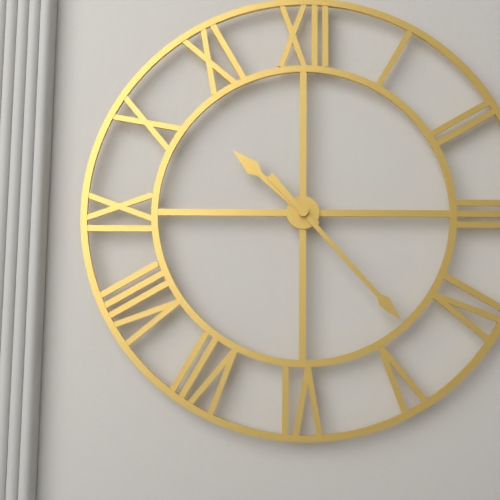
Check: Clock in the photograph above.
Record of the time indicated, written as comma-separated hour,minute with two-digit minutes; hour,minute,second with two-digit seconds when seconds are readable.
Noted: 10,23
